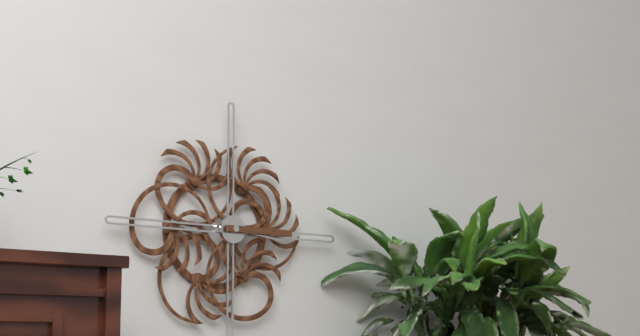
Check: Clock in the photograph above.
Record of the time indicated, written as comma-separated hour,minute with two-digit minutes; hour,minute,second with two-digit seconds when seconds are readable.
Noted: 3,15
